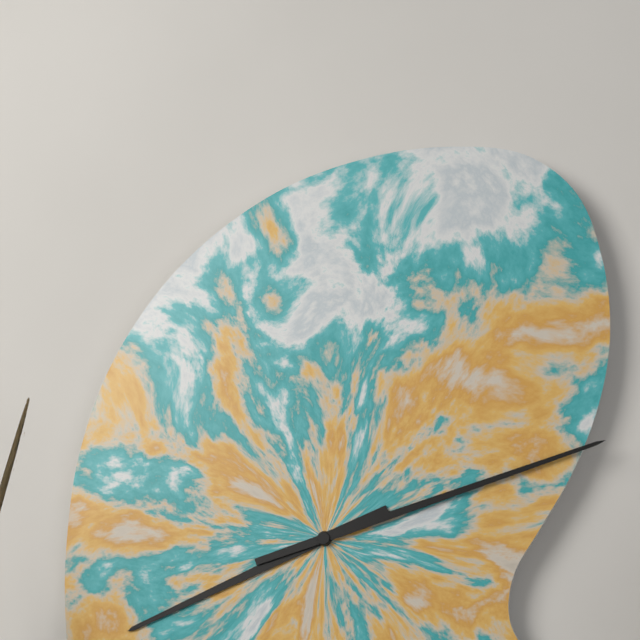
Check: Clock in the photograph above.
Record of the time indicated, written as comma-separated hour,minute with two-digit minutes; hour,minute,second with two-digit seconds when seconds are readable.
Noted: 8,12
